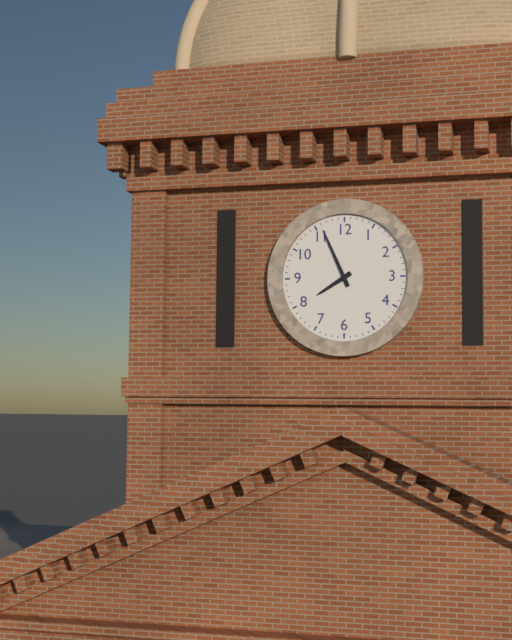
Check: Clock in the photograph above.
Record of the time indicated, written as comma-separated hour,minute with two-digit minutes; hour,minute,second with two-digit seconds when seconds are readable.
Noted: 7,56
